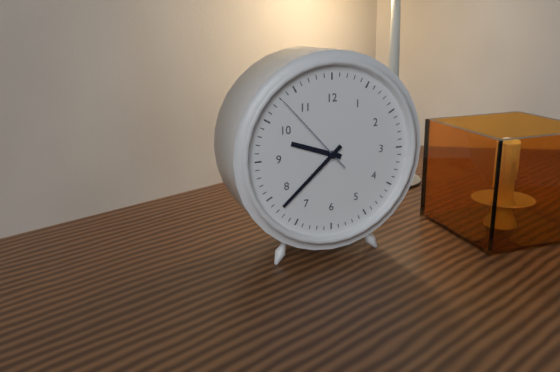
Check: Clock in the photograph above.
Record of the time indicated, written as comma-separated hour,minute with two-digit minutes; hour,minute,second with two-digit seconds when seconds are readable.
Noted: 9,38,53
